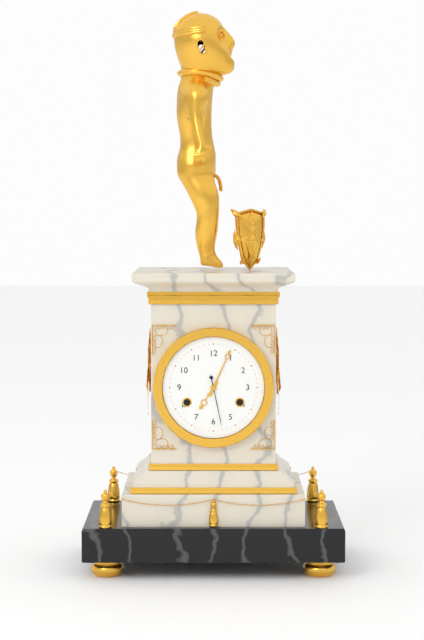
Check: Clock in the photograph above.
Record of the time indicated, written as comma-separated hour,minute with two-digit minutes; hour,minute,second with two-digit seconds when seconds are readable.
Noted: 7,04
